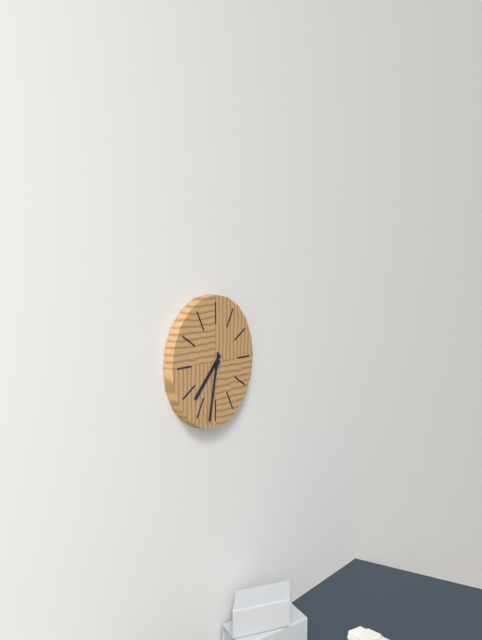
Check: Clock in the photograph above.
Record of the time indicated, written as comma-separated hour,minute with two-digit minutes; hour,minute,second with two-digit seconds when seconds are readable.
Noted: 7,32
